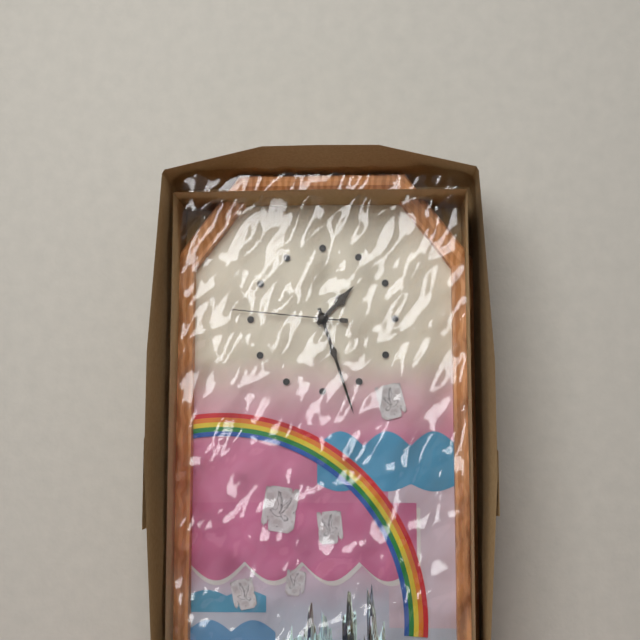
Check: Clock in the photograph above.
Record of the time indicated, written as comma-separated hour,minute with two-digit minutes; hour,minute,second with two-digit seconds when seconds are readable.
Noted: 1,27,46
